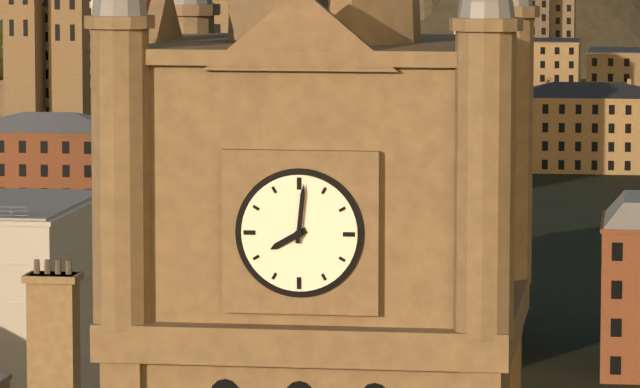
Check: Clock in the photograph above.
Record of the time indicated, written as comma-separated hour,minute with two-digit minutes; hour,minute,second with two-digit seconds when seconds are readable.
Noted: 8,01
